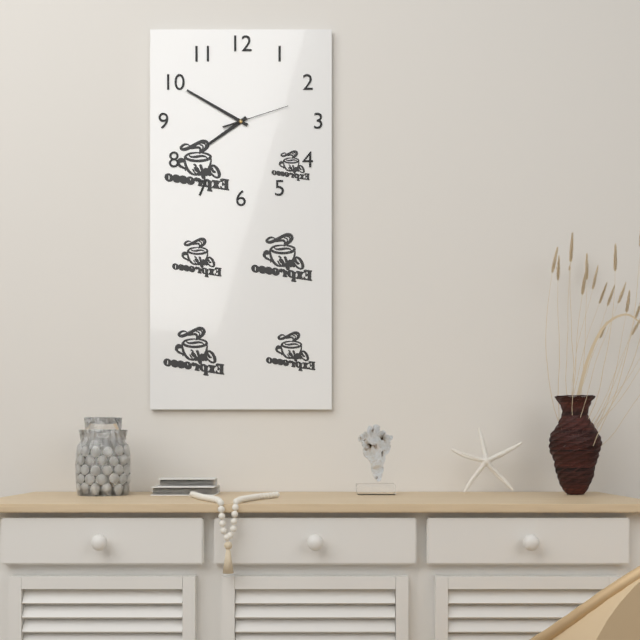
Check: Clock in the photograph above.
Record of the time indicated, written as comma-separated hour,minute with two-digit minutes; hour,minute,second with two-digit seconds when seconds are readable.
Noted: 7,50,12
